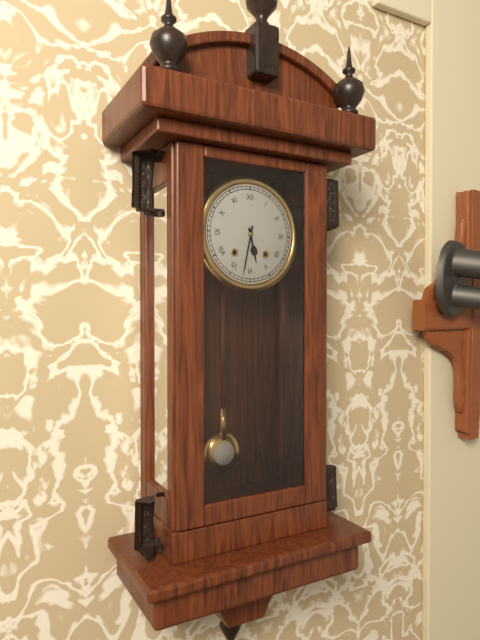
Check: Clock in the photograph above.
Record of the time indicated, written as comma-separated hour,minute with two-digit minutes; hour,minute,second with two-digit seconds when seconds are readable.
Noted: 5,32
